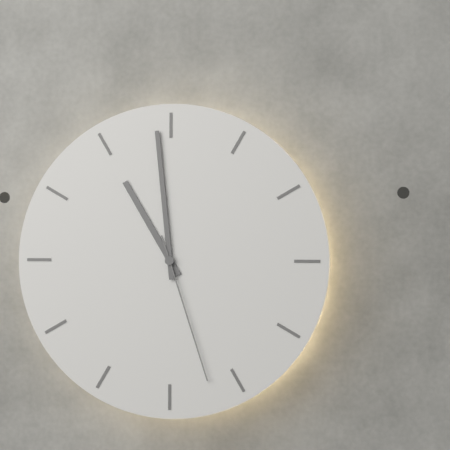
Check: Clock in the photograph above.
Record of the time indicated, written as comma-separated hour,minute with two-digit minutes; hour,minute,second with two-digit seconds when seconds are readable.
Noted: 10,59,27
